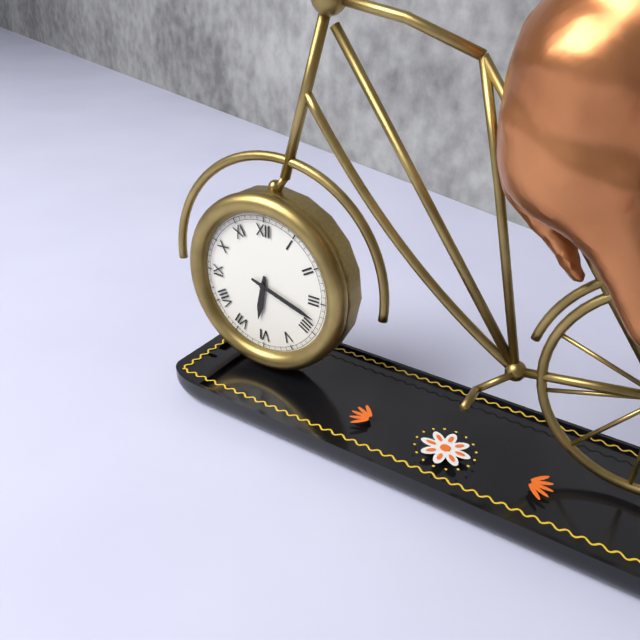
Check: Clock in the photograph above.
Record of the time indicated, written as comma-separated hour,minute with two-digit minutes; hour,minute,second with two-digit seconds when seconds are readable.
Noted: 6,18
